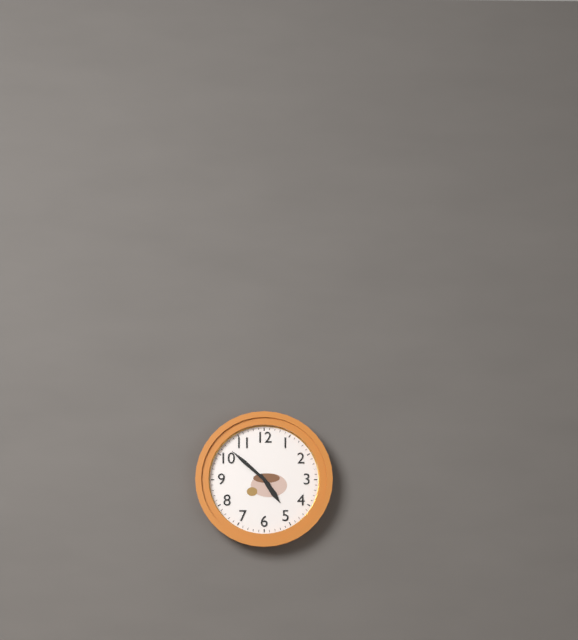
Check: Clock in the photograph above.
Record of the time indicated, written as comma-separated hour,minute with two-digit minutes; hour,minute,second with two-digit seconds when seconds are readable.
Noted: 4,52
